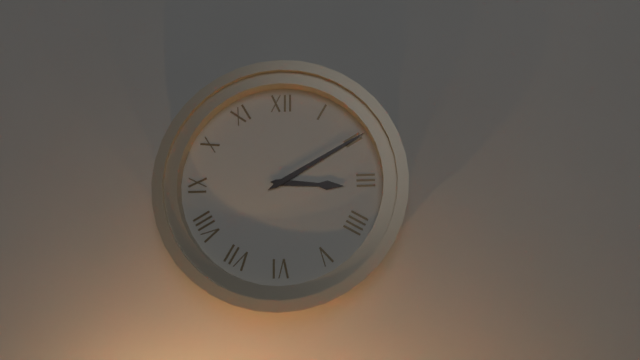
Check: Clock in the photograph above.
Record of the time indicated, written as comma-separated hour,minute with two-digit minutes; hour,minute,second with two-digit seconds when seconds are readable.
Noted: 3,10
